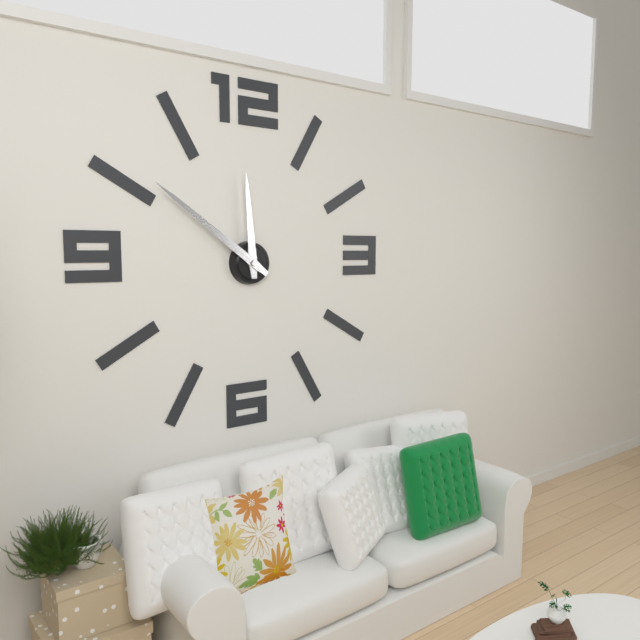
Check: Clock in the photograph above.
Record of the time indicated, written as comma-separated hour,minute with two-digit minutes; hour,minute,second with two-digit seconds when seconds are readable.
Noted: 11,51
